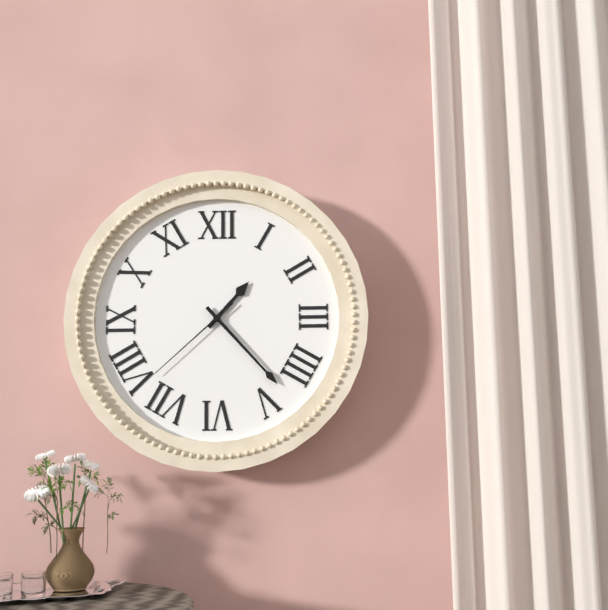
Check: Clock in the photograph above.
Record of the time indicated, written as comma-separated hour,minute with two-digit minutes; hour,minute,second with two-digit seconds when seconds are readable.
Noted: 1,23,38
